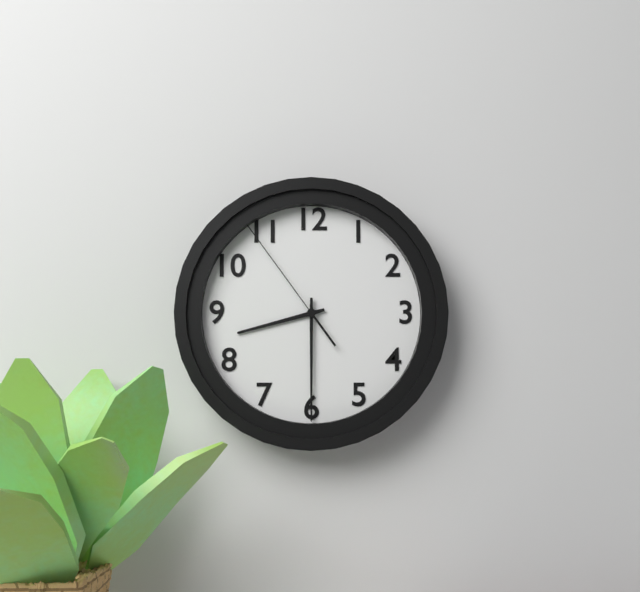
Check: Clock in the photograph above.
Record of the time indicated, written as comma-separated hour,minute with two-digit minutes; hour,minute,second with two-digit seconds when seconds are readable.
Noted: 8,30,54
